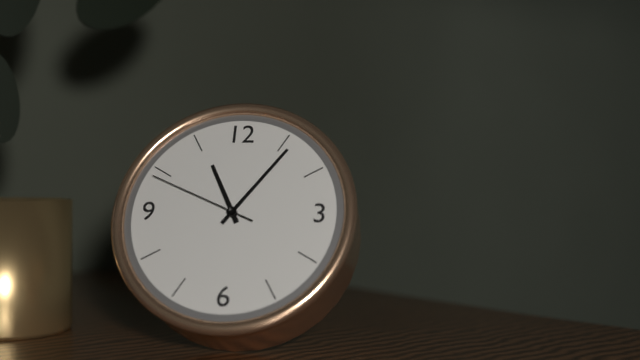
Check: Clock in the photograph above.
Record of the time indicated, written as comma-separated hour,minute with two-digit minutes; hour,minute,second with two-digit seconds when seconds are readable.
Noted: 11,06,49
